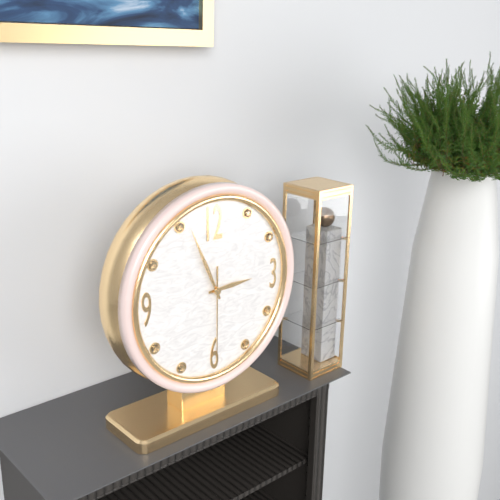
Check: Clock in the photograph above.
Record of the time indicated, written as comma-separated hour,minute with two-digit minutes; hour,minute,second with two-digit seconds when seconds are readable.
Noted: 2,56,30
